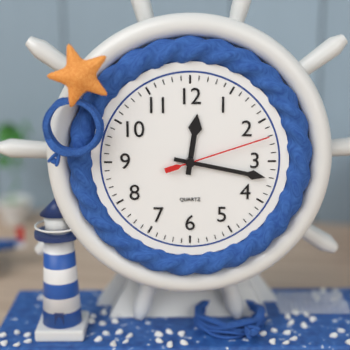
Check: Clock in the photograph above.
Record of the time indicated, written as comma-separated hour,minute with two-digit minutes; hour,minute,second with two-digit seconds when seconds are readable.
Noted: 12,17,12
